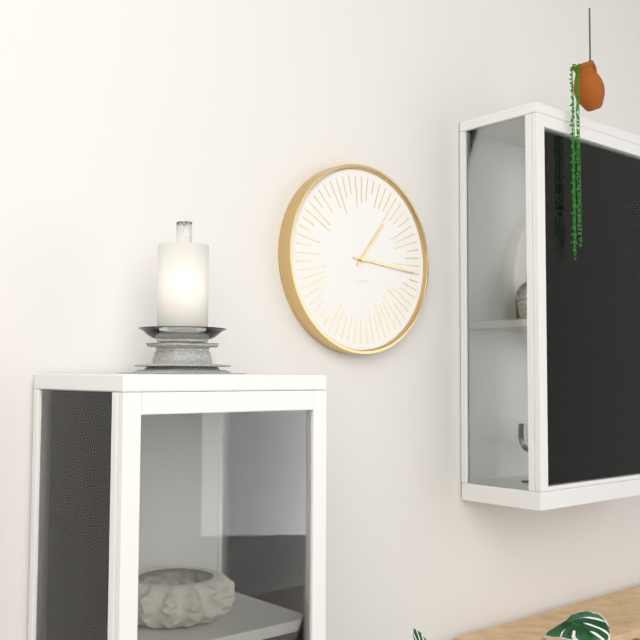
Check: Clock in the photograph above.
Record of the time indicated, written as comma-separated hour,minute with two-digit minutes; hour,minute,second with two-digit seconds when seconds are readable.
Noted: 1,16
